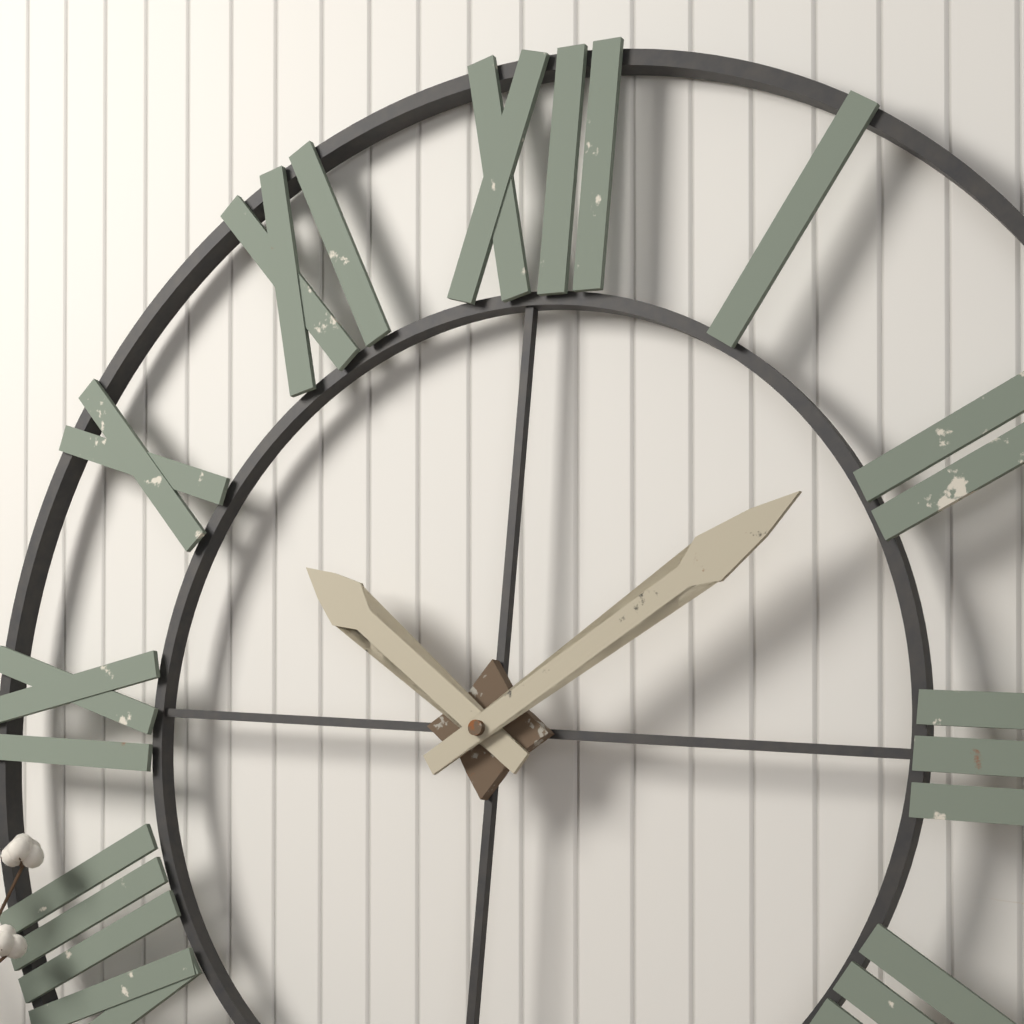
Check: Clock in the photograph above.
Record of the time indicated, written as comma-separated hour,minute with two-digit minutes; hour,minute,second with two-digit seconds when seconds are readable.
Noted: 10,09
